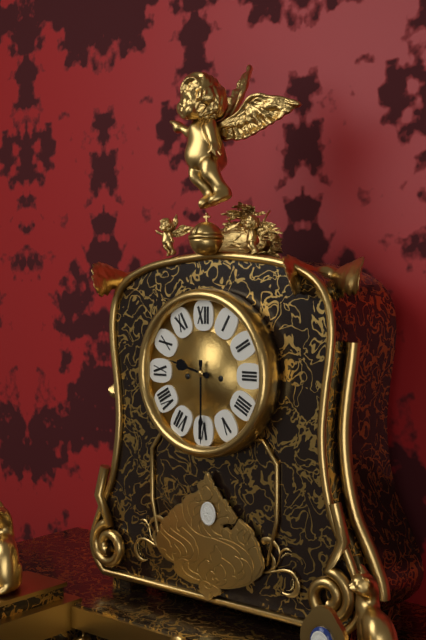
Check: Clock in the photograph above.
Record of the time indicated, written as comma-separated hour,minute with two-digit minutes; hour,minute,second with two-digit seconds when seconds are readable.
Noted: 9,30
